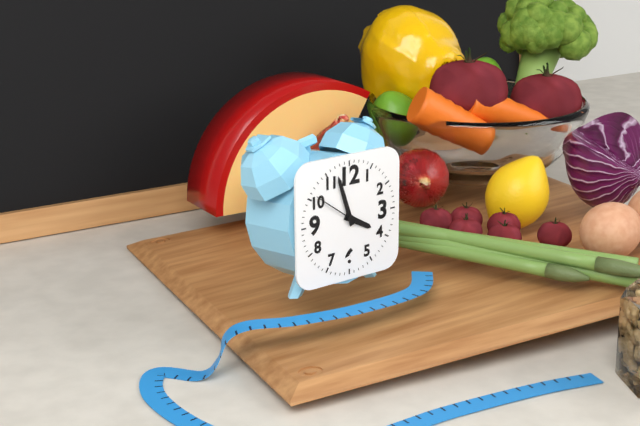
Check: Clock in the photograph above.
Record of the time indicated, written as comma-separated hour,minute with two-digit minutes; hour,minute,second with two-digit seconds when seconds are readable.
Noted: 3,57,51
